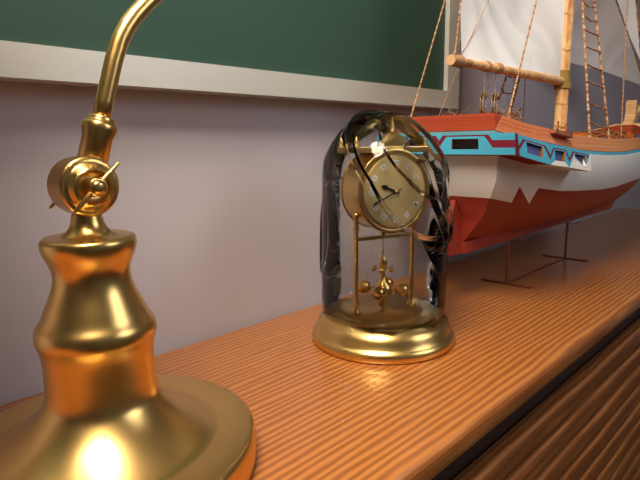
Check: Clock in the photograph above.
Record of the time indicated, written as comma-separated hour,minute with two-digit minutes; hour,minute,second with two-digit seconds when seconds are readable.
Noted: 9,41
